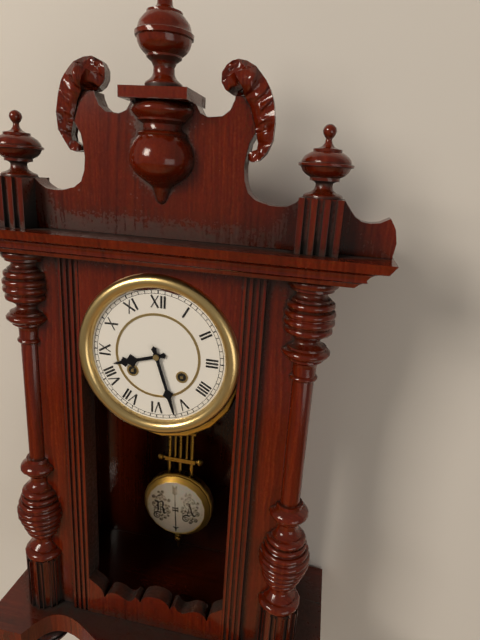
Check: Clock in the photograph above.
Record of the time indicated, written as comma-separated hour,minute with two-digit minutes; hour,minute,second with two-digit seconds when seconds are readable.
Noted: 8,27
